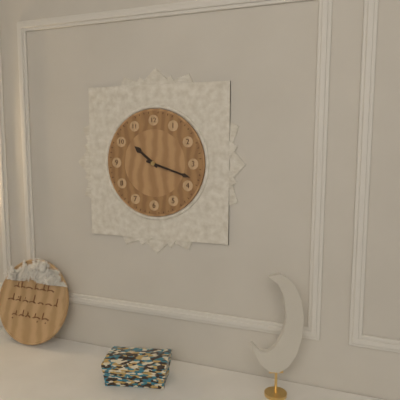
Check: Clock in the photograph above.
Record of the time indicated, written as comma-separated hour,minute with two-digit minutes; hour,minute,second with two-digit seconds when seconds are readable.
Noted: 10,18
